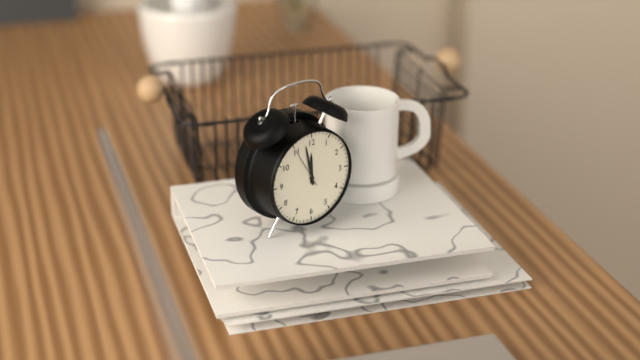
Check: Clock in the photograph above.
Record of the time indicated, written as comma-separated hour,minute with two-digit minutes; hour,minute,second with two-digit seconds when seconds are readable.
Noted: 11,58
